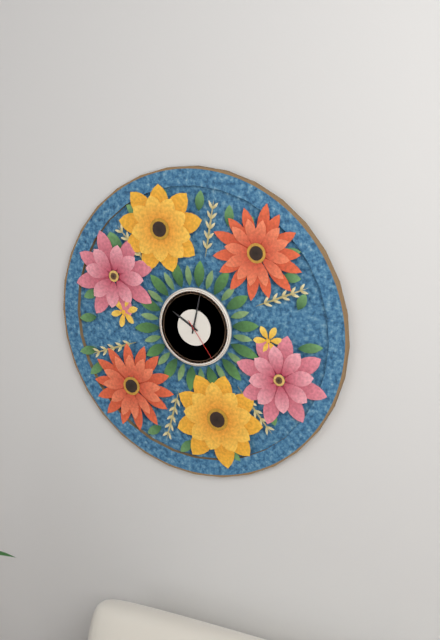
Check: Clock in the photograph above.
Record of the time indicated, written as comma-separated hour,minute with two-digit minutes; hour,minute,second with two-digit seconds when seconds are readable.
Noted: 10,02
